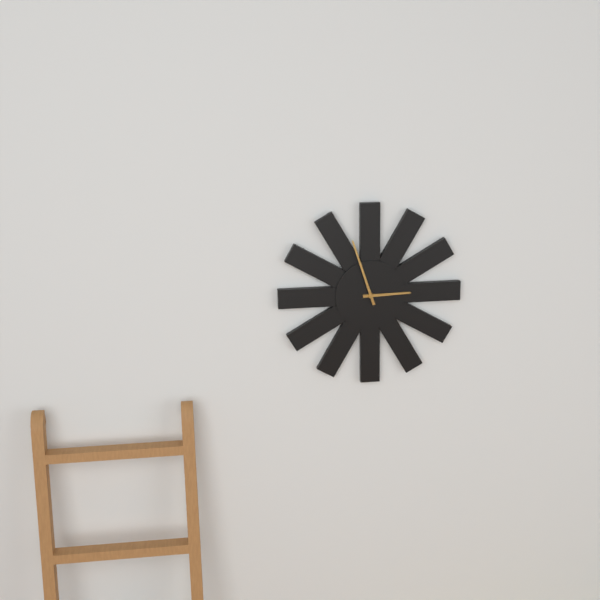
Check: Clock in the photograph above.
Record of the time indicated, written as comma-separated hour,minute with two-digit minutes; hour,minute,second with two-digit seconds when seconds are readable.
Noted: 2,57
